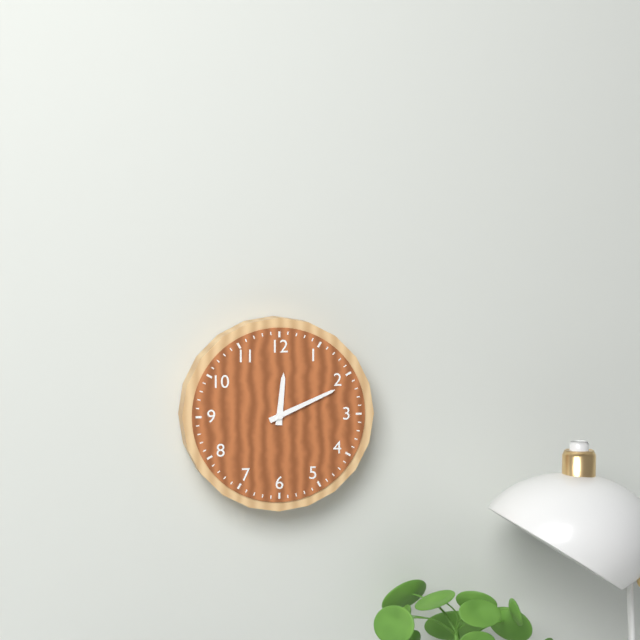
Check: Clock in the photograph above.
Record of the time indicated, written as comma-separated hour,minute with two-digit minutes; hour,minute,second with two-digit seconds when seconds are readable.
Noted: 12,11
